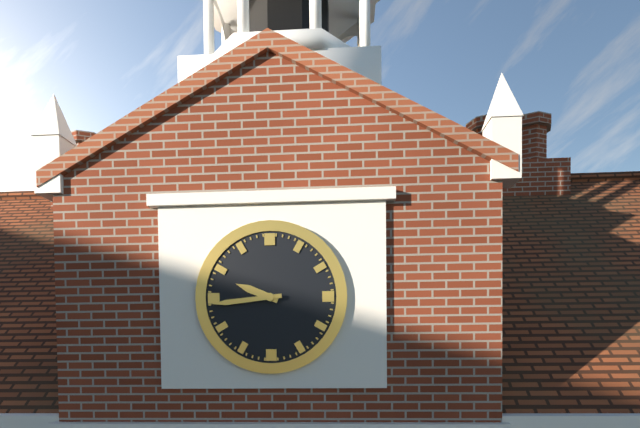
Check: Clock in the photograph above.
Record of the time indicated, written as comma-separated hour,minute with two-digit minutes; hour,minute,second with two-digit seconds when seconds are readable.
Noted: 9,44
